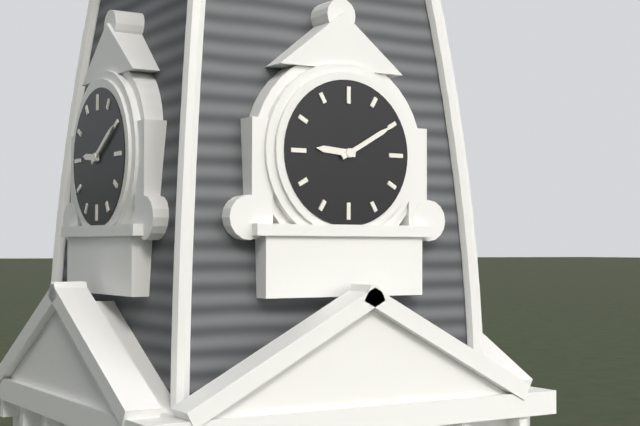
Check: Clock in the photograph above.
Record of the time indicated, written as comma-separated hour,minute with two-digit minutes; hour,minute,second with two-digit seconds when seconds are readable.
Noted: 9,10
